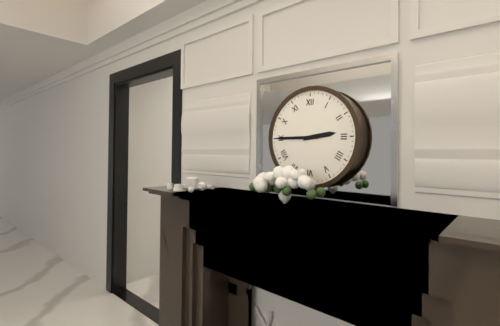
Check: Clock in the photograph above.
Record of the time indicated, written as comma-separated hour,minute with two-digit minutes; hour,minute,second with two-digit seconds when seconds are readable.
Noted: 2,45
